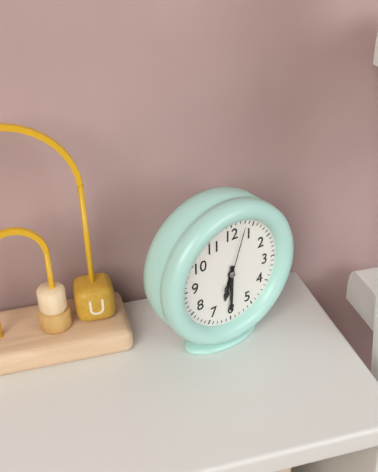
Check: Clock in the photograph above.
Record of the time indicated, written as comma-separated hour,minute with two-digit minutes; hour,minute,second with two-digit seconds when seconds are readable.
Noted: 6,30,03
